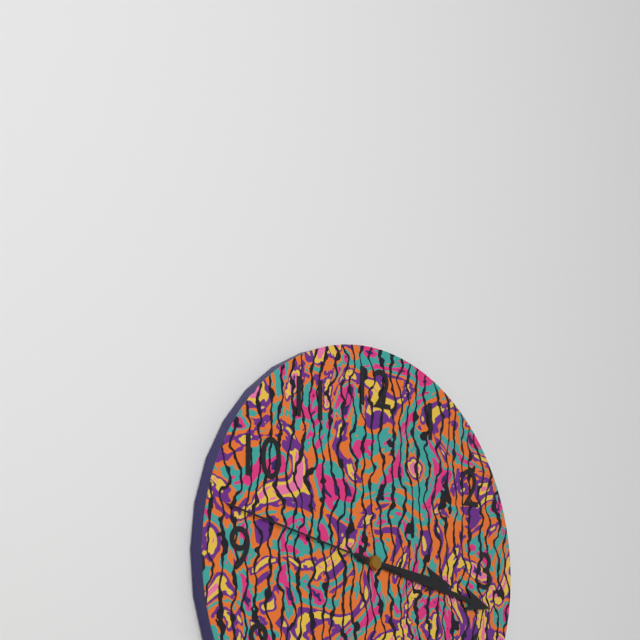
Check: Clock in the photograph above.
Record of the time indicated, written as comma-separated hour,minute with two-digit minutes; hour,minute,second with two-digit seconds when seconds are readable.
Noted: 3,17,47
